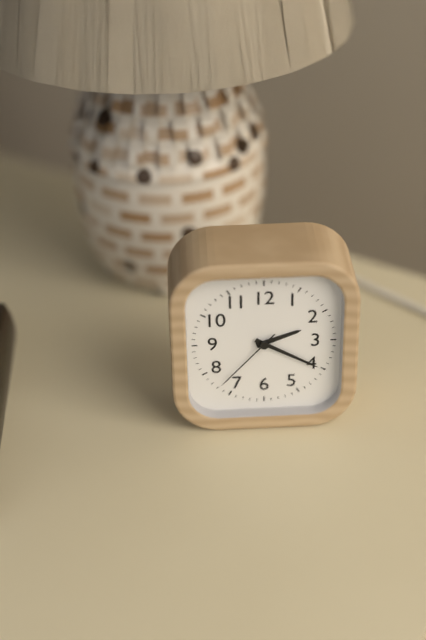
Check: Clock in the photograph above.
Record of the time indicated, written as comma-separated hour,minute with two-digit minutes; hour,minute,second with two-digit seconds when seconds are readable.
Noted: 2,20,37
